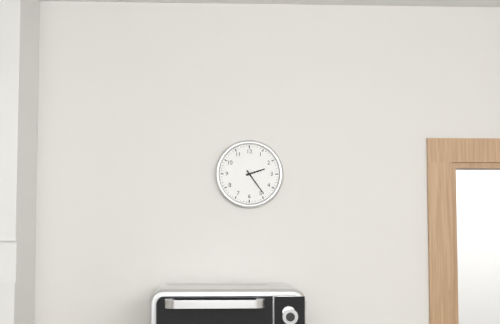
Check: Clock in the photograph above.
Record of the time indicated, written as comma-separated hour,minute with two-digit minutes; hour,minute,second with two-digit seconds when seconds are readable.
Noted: 2,24
